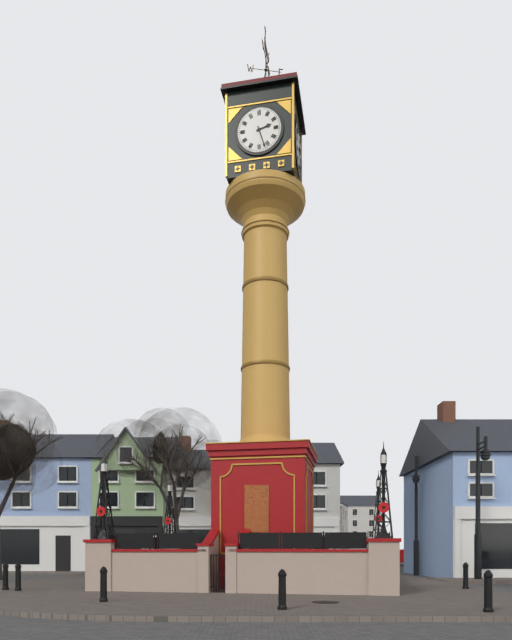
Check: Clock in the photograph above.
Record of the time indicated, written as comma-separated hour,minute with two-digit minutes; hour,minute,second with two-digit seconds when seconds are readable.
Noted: 2,27
